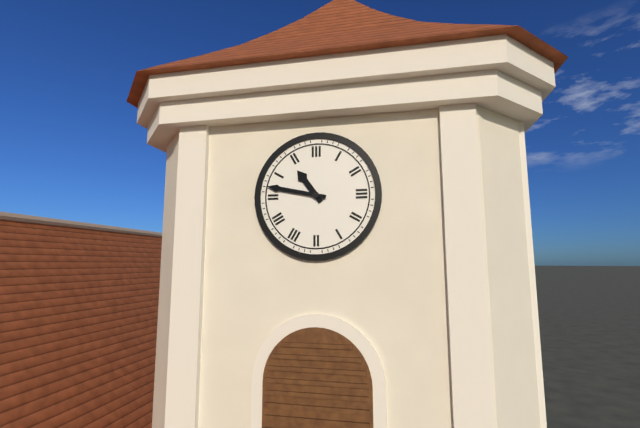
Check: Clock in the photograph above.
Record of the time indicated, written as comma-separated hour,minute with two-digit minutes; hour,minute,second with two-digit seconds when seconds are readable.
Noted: 10,47
